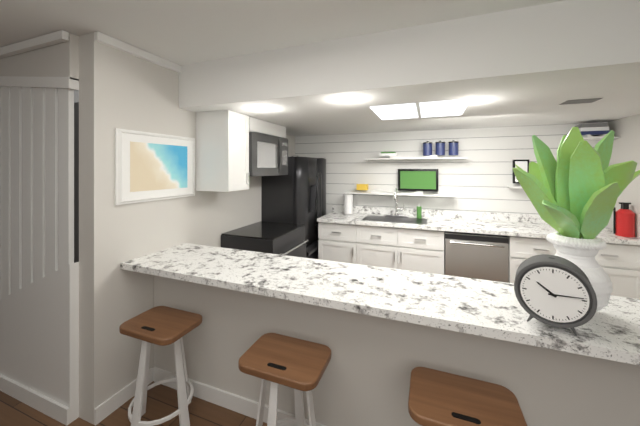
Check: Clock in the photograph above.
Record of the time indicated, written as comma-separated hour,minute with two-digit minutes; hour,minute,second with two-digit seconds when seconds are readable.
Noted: 10,14
